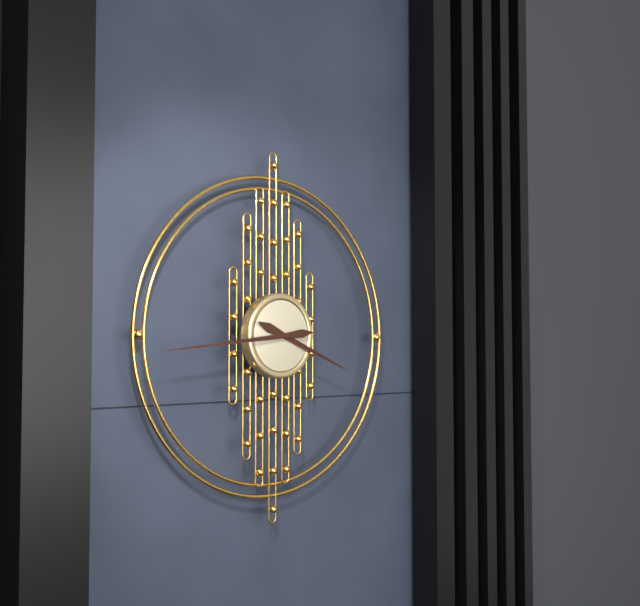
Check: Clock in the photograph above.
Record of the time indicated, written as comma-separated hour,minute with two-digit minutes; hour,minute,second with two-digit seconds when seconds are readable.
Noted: 3,44
